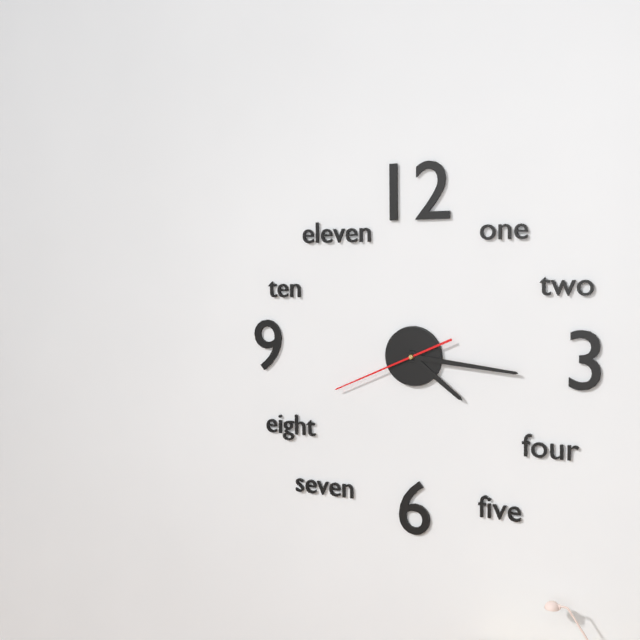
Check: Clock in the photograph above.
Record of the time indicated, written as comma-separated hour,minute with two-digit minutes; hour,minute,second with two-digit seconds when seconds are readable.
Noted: 4,16,41
